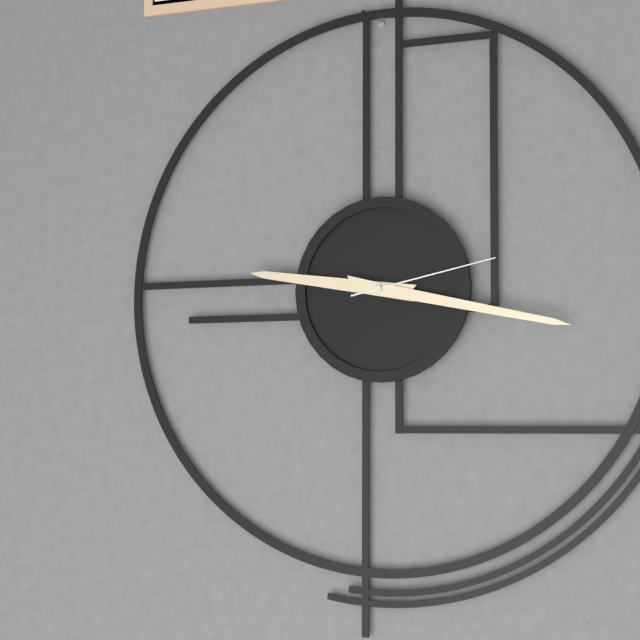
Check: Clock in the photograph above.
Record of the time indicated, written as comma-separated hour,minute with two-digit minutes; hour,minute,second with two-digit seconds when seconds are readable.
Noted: 9,17,13
